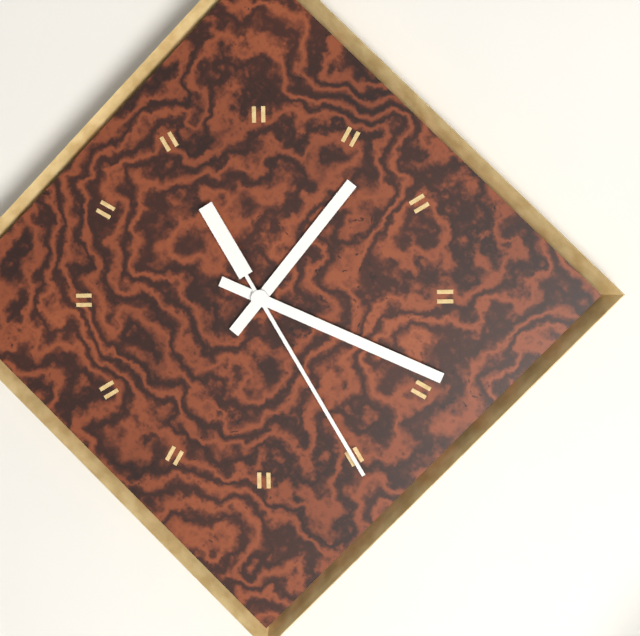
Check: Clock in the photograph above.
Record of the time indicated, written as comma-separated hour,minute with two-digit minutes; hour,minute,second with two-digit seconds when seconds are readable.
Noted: 1,19,25
